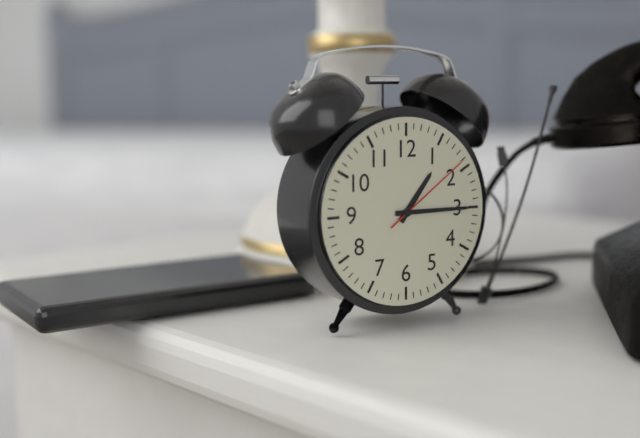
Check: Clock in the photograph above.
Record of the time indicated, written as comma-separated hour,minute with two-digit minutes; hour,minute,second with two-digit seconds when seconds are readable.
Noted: 1,15,09
